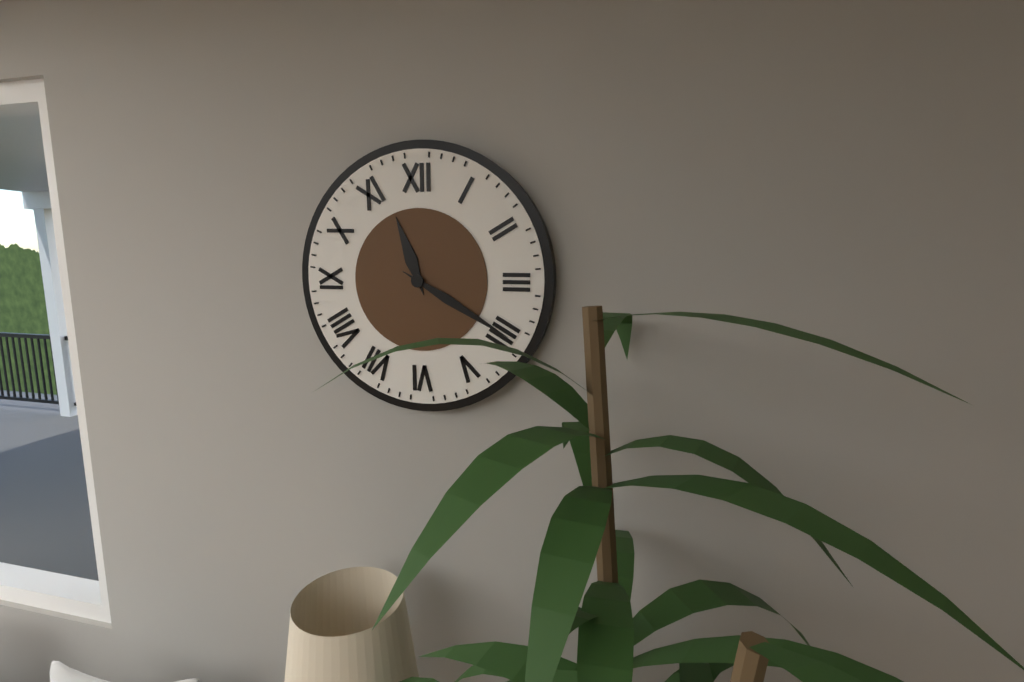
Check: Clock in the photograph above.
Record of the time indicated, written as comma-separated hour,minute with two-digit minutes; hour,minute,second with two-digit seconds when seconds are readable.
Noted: 11,20
